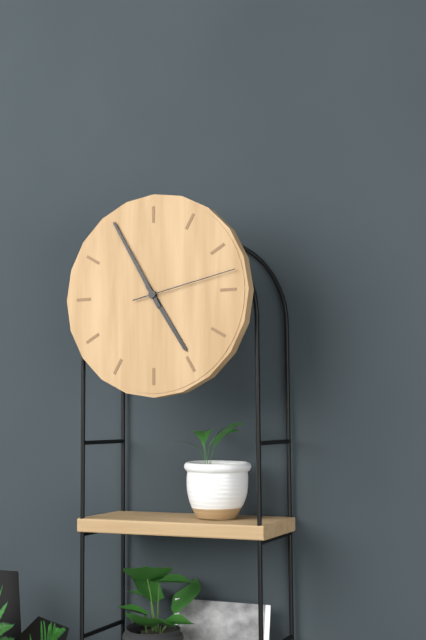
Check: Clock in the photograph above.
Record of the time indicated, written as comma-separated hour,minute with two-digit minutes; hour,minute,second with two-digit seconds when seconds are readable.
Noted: 4,55,13
